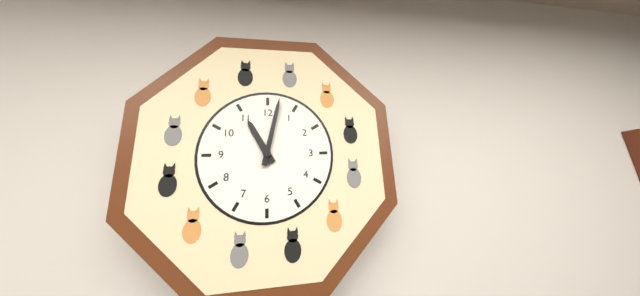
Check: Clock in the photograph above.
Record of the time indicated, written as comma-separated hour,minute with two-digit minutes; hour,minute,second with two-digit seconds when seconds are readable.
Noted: 11,02
